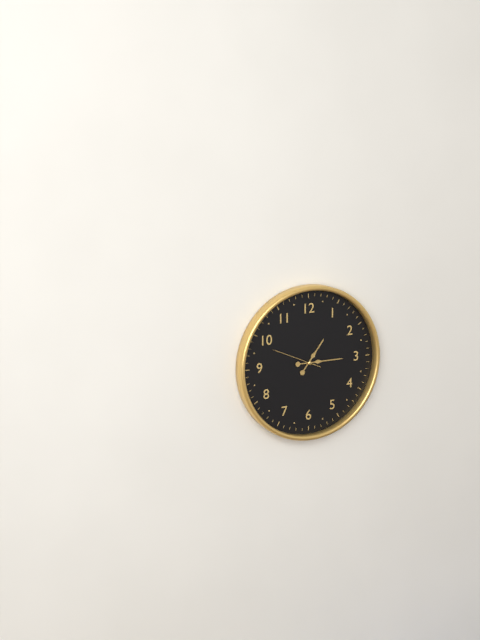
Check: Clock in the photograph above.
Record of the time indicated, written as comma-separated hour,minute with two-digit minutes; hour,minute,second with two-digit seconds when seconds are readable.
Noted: 1,15
